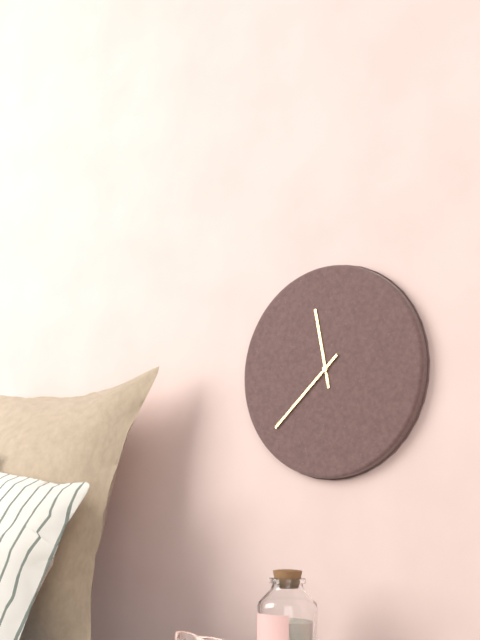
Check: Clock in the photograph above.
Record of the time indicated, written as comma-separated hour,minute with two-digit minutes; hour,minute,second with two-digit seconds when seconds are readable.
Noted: 11,38
